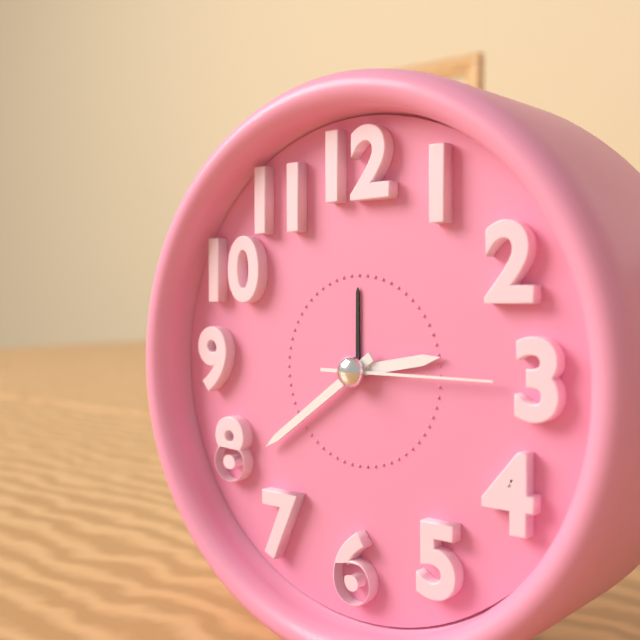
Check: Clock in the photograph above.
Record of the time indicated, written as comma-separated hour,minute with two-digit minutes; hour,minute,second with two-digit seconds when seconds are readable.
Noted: 2,39,15
